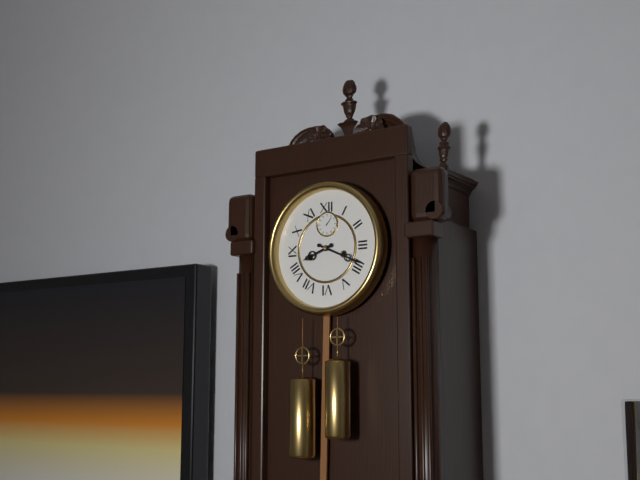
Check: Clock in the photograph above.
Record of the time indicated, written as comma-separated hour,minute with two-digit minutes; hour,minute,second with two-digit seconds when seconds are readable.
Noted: 8,19
